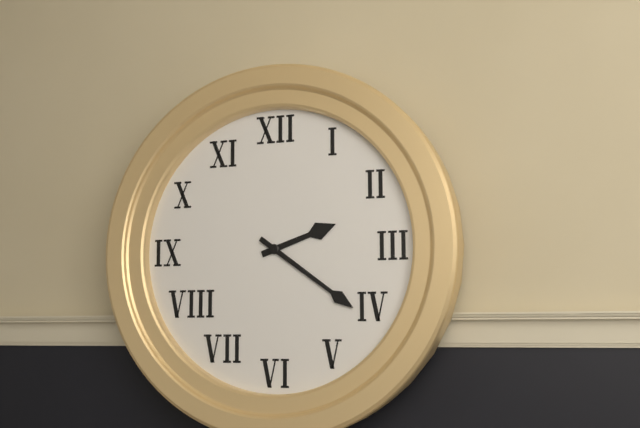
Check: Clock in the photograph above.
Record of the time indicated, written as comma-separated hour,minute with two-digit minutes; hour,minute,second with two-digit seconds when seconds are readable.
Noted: 2,21
